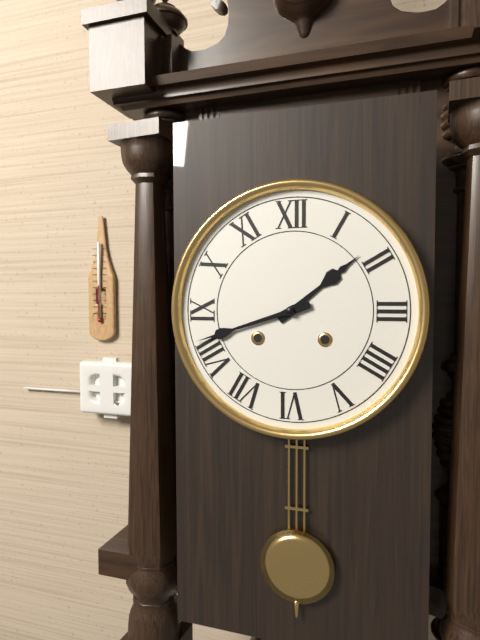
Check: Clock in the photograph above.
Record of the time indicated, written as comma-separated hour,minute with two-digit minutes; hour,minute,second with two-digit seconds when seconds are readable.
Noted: 1,42
